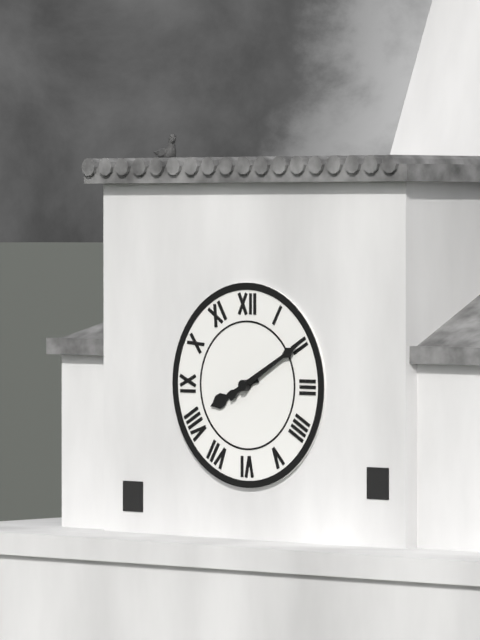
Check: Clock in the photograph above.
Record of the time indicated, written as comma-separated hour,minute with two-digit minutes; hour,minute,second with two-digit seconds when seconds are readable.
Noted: 8,10
